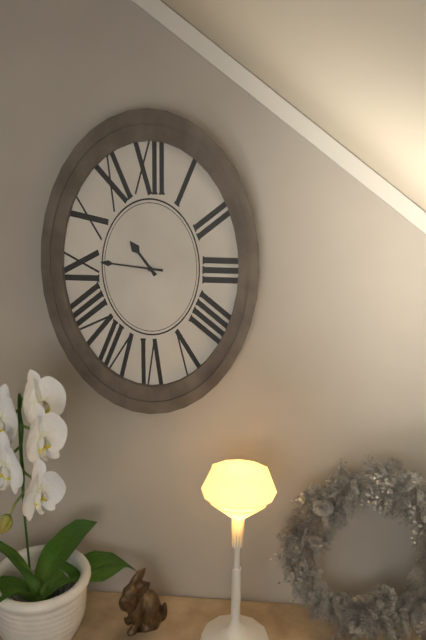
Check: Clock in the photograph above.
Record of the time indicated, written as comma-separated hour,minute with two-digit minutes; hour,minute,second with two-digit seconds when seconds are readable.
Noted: 10,46
